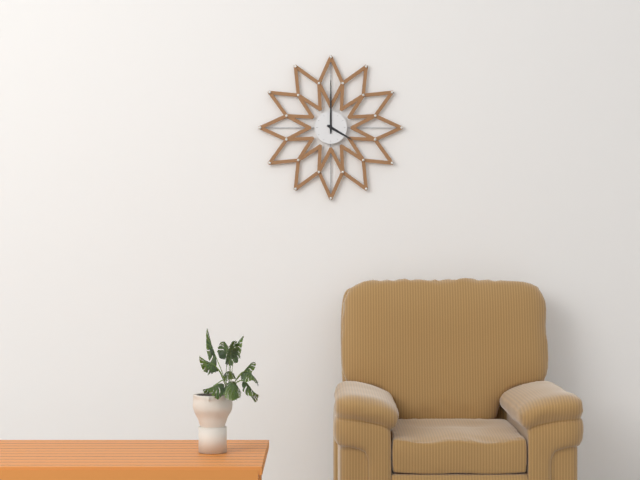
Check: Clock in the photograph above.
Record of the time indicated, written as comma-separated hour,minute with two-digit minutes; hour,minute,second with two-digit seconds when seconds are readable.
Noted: 4,00
